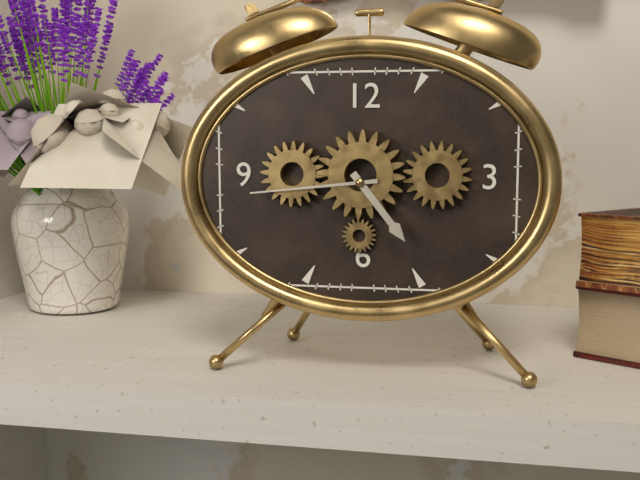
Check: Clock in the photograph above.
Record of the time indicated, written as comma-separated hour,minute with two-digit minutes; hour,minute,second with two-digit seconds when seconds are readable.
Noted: 4,44
